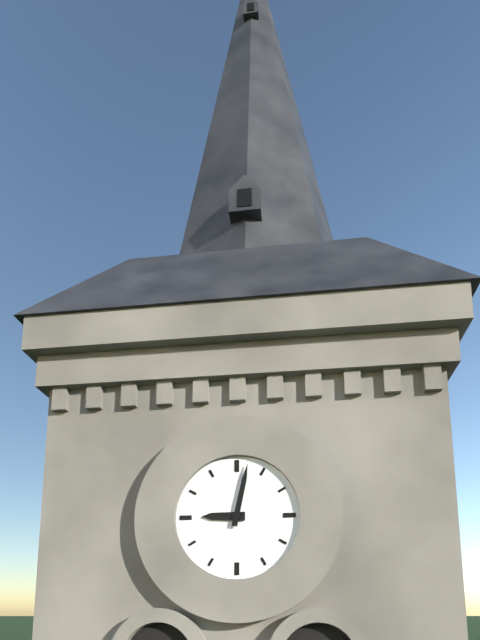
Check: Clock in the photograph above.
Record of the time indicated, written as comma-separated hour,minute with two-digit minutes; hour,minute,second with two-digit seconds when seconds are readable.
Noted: 9,02
